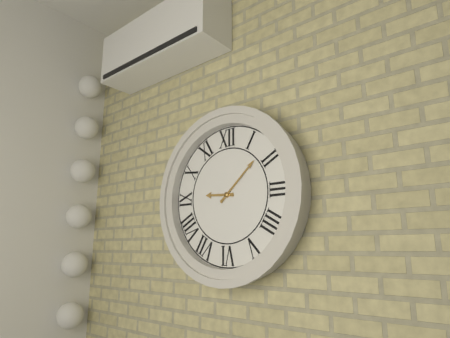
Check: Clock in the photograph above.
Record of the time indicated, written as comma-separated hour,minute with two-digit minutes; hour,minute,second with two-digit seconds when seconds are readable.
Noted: 9,08
